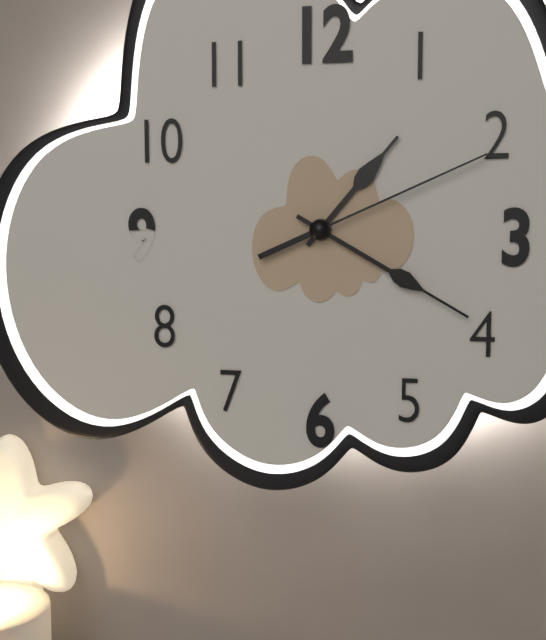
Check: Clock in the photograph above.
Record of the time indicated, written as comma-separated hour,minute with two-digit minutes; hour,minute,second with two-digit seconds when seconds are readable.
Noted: 1,20,11
